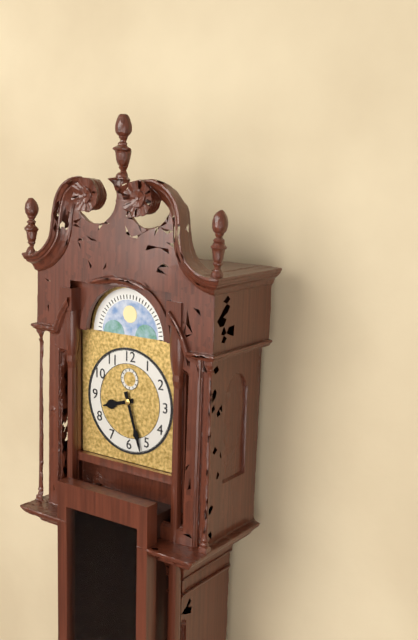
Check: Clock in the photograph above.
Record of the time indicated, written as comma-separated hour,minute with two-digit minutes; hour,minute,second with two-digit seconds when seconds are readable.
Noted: 8,27
